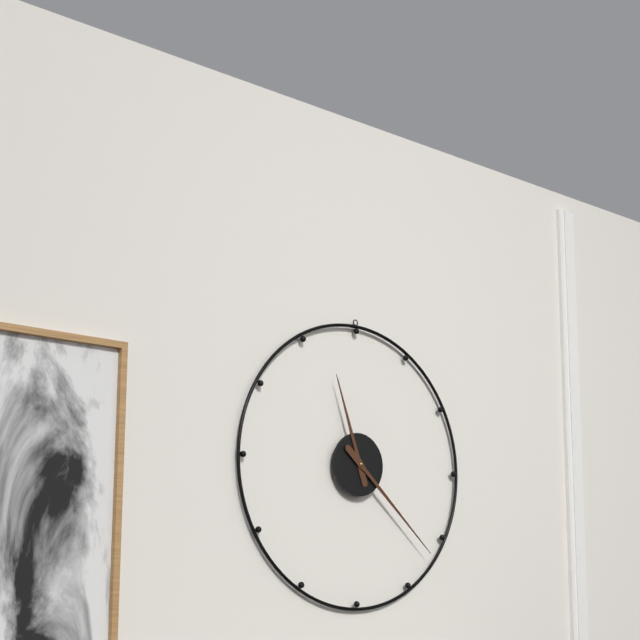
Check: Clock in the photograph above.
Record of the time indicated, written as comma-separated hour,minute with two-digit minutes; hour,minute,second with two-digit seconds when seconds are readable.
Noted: 11,22
